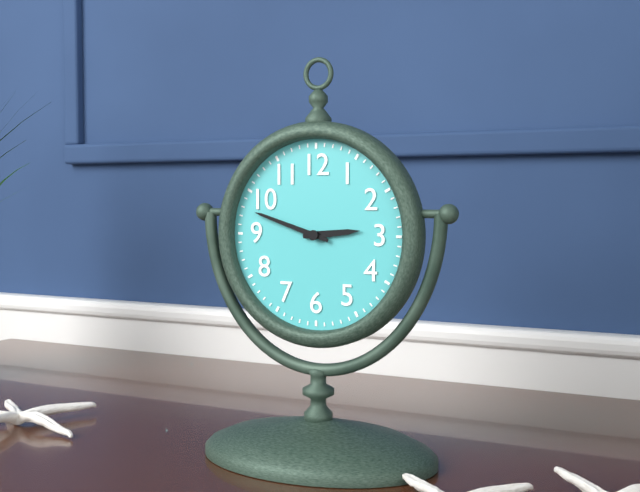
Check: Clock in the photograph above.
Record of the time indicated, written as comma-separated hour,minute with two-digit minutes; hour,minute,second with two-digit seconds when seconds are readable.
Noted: 2,48
